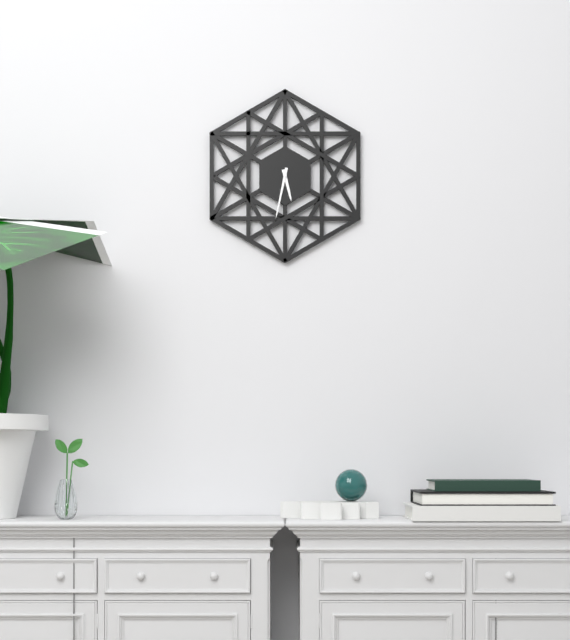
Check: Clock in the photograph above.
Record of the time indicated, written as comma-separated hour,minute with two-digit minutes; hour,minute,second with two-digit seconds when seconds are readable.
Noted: 5,32
